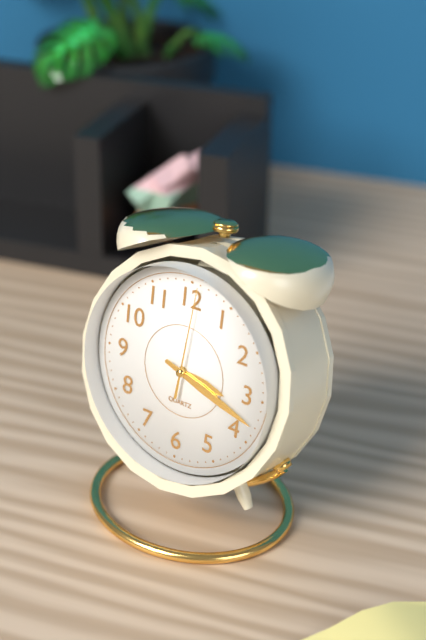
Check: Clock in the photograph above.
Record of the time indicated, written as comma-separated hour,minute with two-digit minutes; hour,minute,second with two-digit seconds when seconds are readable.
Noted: 3,18,01
